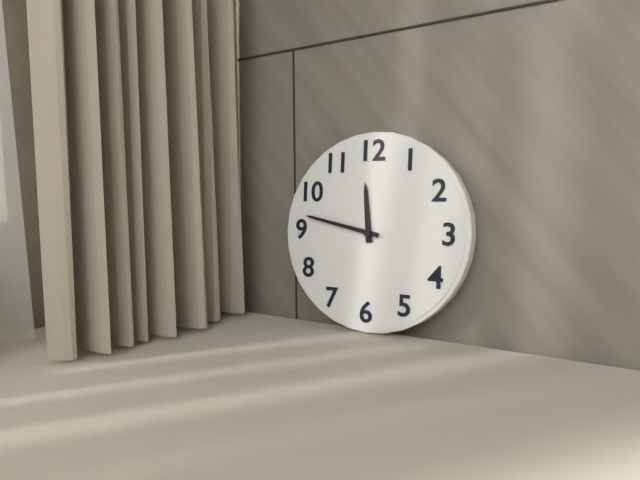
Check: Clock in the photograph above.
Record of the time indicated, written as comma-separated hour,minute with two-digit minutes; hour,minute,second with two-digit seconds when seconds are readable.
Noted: 11,47
